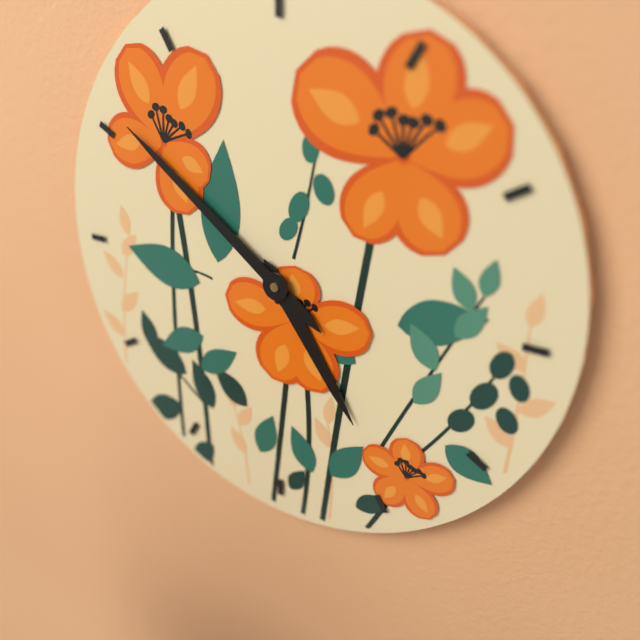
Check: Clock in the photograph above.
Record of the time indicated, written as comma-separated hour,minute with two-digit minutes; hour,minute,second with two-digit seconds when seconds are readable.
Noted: 4,51
